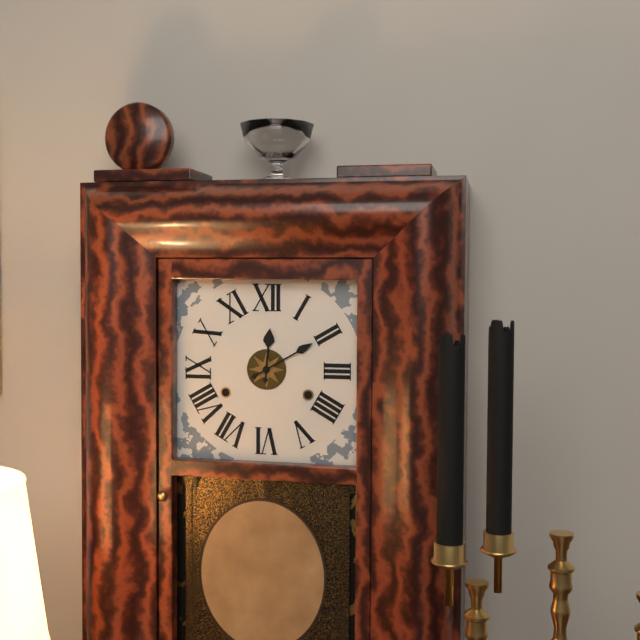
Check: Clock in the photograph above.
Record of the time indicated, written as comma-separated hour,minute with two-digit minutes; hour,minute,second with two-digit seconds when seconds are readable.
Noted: 12,10
